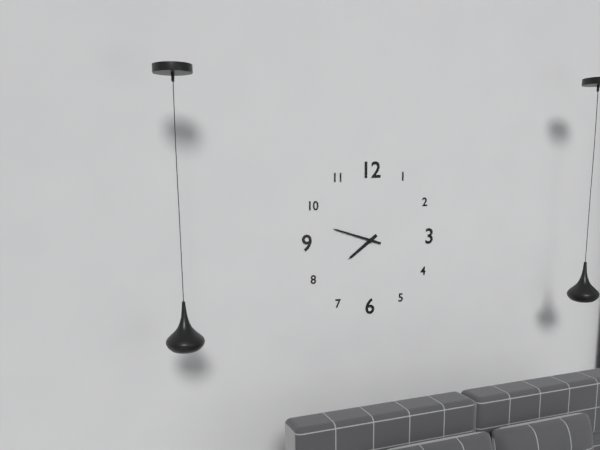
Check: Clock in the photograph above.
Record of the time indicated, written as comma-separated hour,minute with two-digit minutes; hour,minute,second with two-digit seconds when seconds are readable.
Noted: 7,48
